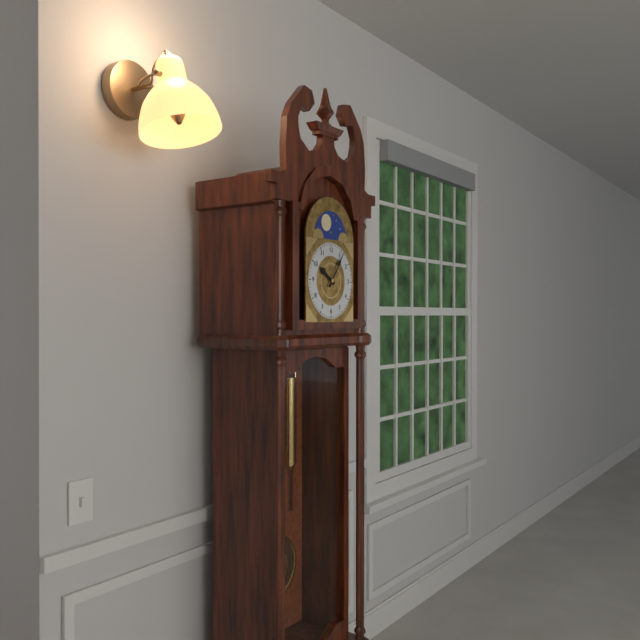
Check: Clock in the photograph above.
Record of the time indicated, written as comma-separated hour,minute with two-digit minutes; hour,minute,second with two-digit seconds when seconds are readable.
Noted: 10,06
